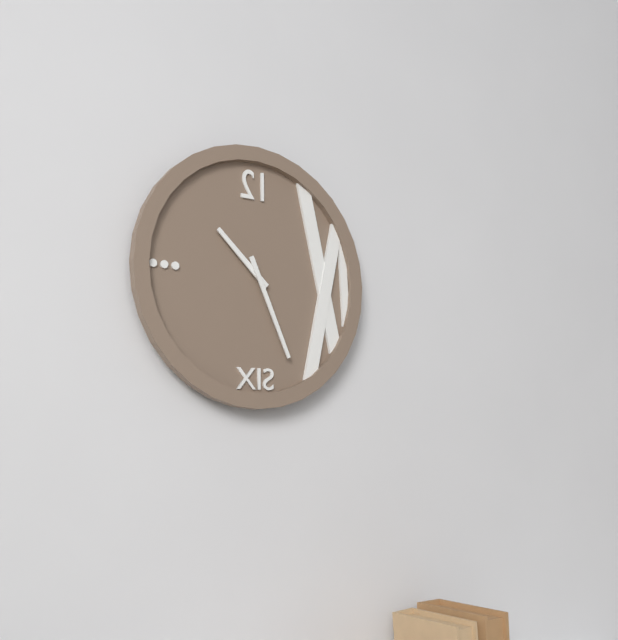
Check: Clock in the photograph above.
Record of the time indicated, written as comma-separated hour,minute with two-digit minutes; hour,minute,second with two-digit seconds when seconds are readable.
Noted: 10,26
